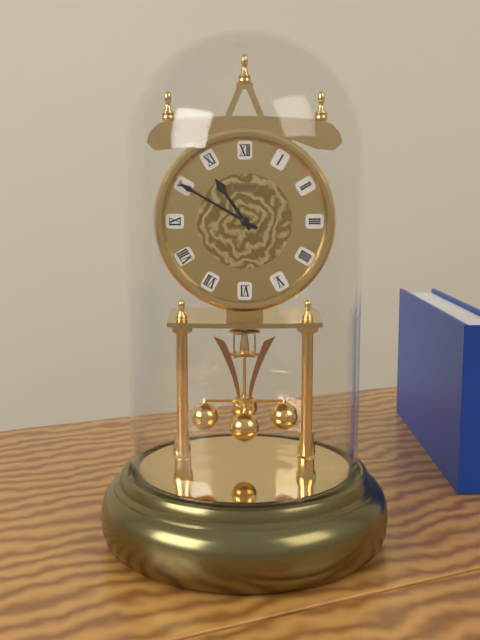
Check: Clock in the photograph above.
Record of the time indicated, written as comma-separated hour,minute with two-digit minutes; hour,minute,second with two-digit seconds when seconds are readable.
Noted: 10,50
